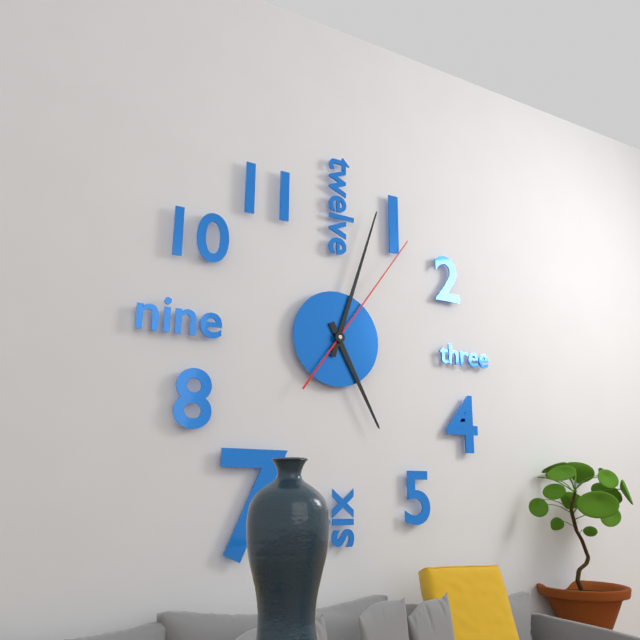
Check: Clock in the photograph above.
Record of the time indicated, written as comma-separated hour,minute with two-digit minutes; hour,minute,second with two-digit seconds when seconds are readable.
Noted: 5,03,06
